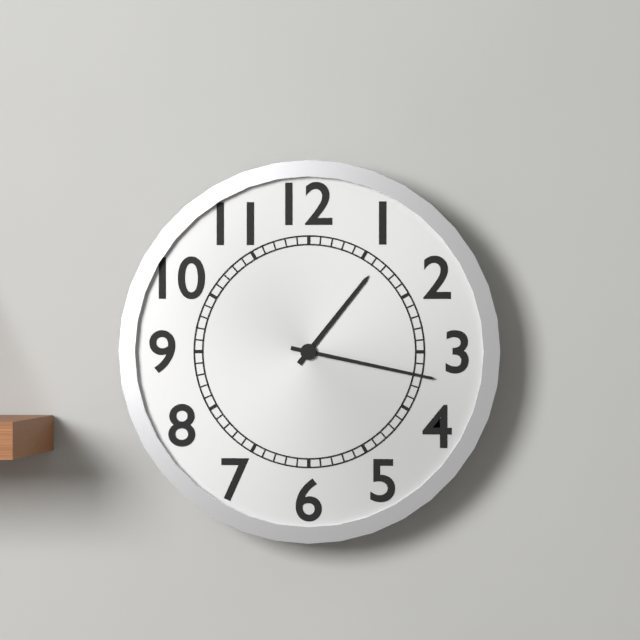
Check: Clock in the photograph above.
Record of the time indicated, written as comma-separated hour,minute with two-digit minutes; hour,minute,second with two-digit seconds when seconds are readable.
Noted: 1,17
